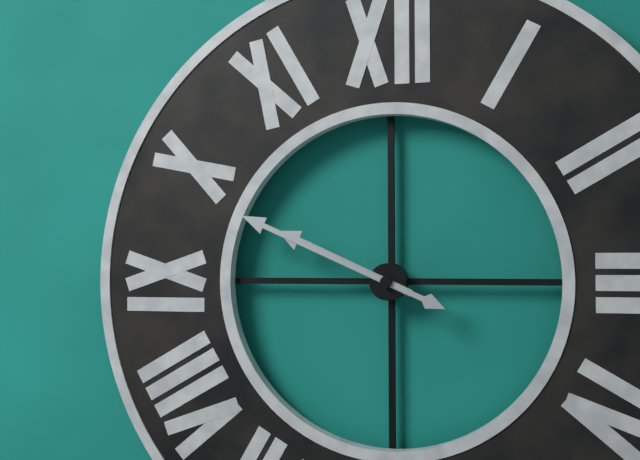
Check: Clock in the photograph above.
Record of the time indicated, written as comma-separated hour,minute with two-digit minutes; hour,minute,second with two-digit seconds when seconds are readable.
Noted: 9,49
